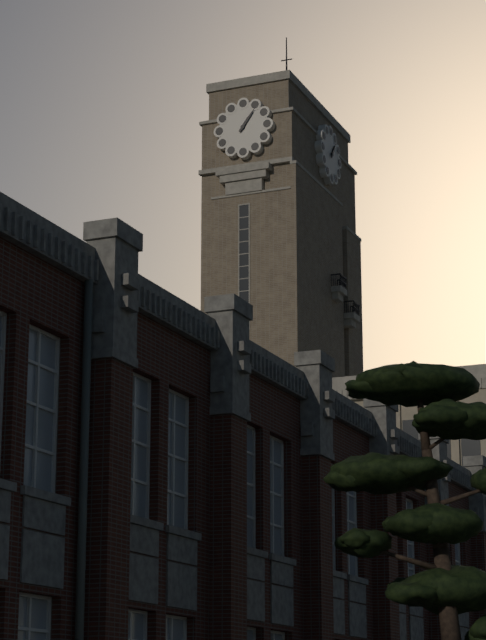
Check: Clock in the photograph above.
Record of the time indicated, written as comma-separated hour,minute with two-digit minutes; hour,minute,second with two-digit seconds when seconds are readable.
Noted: 1,06
